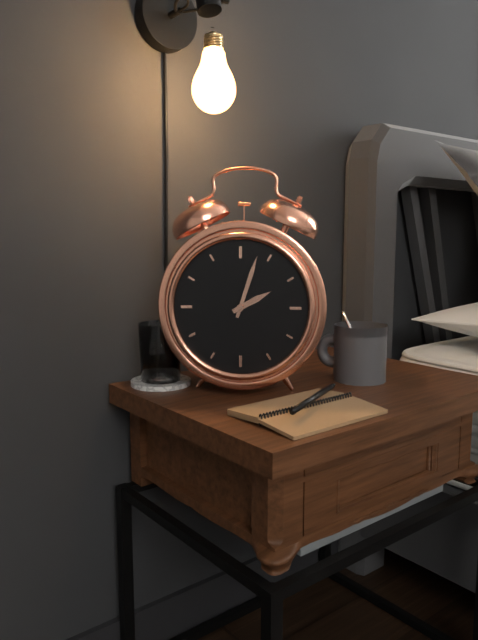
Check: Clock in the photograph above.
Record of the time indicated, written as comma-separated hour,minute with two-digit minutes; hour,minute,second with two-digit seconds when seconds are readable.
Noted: 2,03
